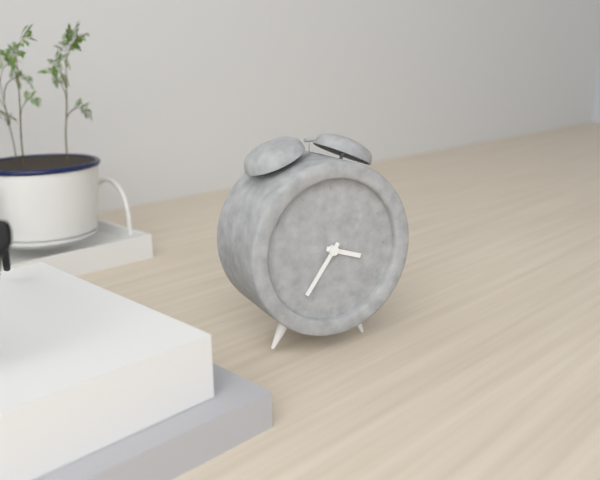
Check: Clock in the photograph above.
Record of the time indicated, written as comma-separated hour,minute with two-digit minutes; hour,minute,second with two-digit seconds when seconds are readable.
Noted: 3,36
